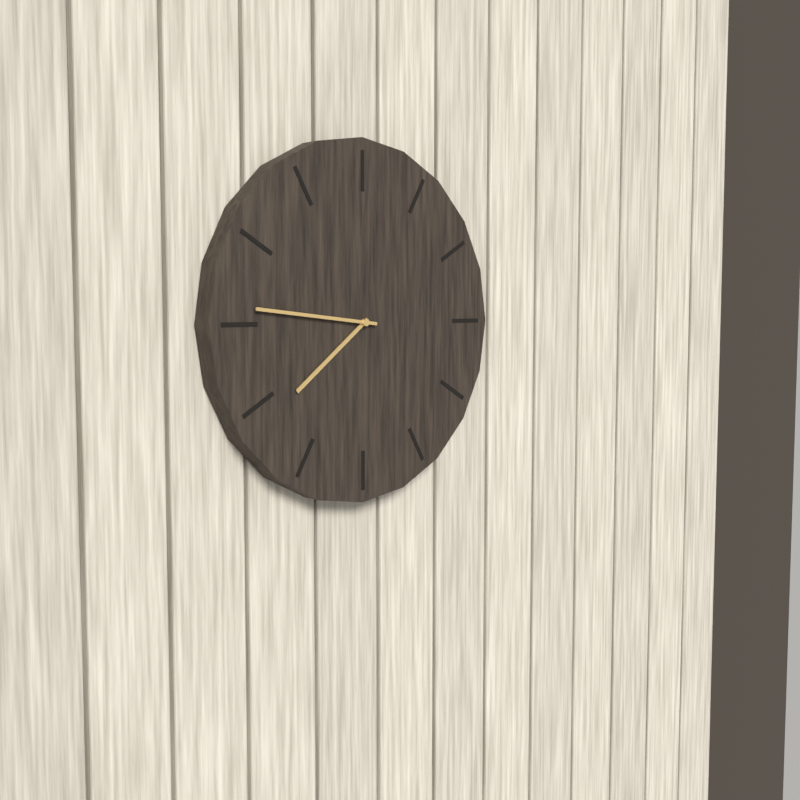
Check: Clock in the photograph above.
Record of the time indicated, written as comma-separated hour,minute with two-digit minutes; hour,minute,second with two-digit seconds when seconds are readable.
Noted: 7,46
